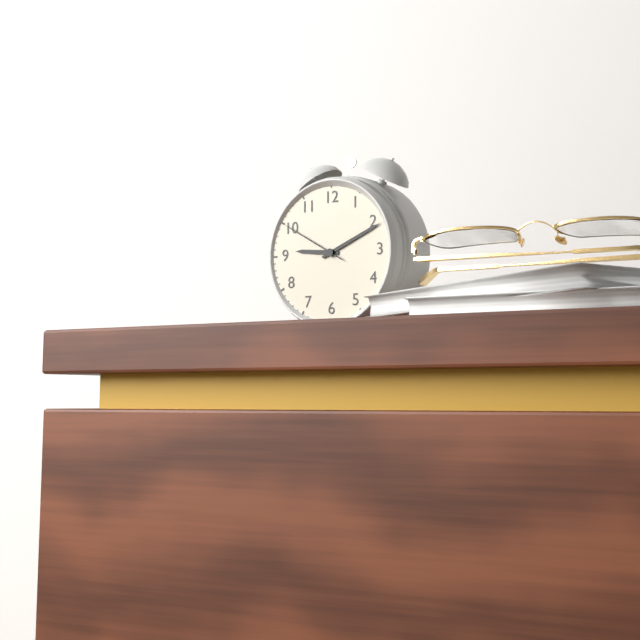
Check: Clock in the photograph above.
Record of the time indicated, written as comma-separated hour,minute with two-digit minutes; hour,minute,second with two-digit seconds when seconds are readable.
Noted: 9,11,50
